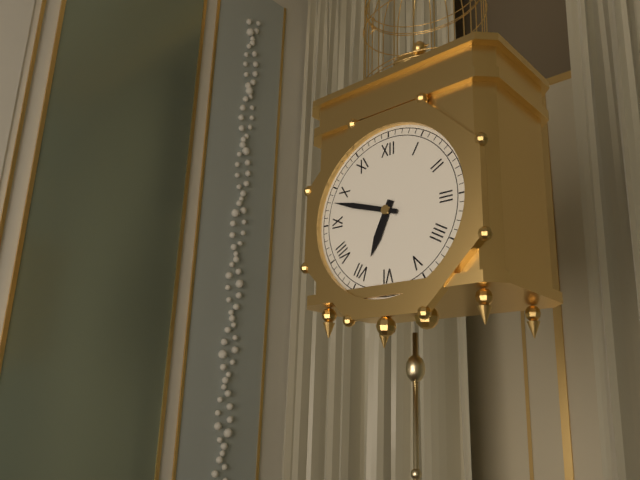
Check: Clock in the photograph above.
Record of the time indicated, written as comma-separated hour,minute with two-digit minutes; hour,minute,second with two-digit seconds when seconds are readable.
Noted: 6,48
